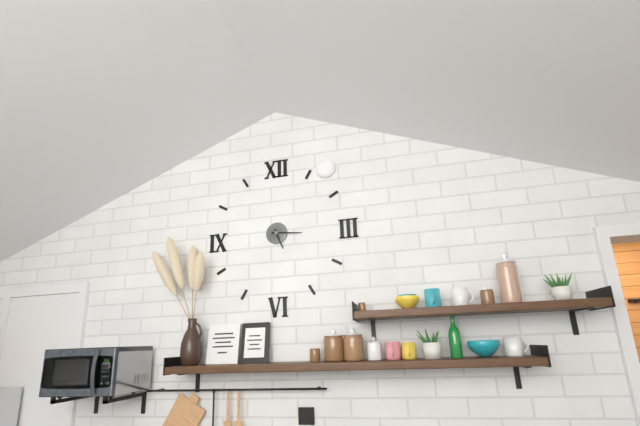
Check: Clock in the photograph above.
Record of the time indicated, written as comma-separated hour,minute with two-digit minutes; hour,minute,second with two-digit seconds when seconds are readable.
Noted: 5,16
